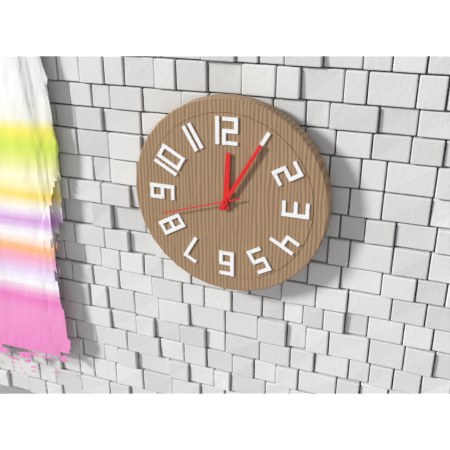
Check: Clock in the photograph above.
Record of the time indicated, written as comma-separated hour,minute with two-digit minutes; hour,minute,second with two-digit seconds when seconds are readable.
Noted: 12,05,42
